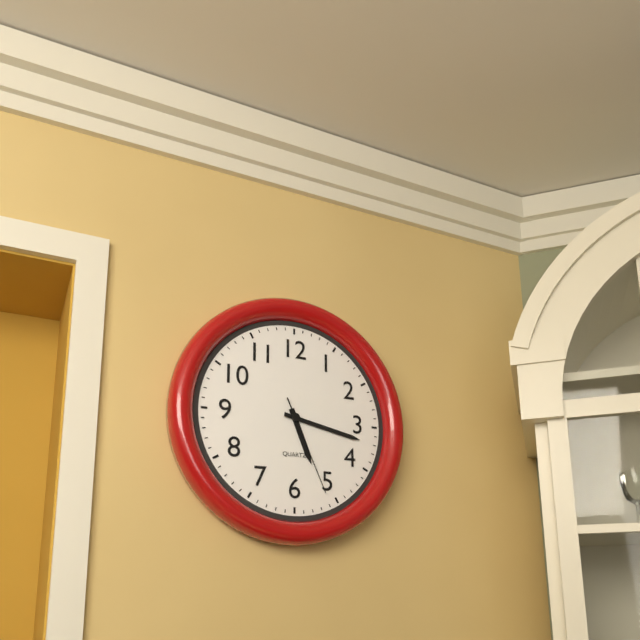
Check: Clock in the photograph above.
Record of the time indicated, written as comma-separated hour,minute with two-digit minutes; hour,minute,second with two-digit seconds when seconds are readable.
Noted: 5,17,26
